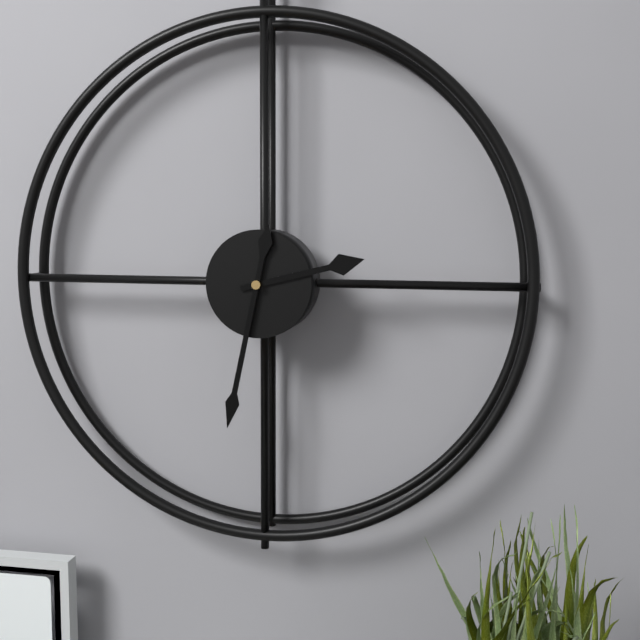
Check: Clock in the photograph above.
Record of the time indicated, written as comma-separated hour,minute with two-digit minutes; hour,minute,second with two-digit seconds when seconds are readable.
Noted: 2,32
